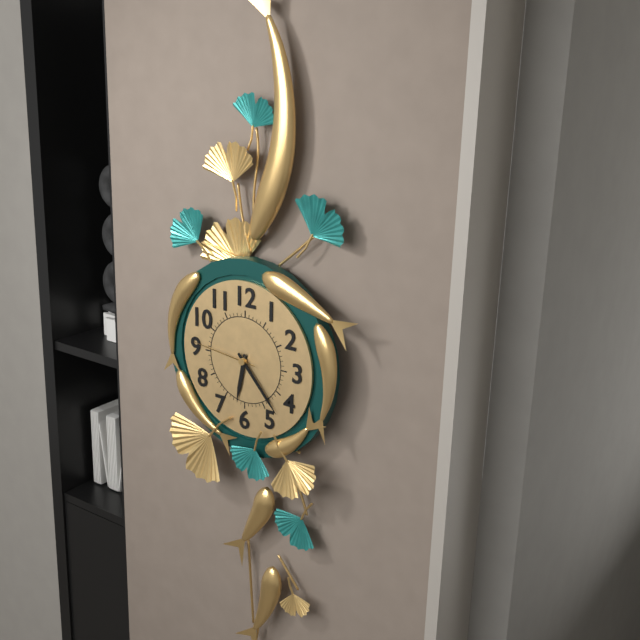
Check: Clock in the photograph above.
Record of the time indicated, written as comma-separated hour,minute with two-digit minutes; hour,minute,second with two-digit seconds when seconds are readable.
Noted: 6,23,46
